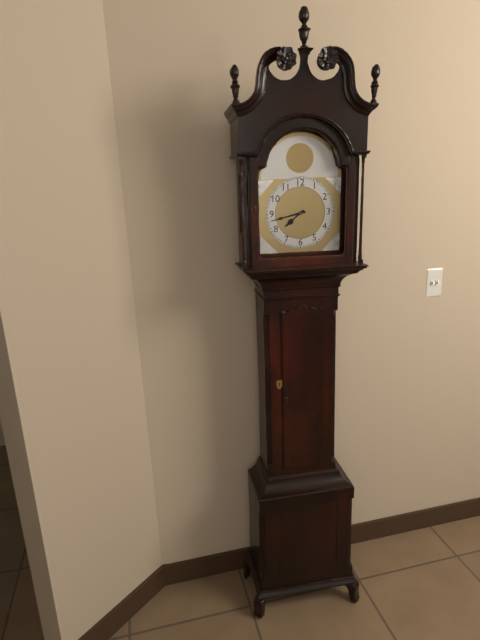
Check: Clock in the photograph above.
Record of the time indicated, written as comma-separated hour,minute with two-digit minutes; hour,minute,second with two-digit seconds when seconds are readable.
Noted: 7,43
